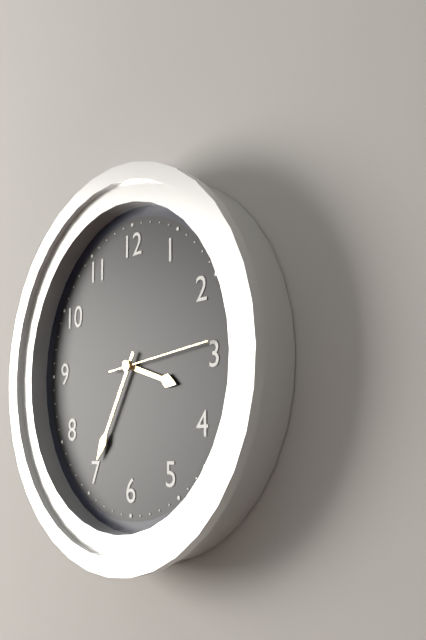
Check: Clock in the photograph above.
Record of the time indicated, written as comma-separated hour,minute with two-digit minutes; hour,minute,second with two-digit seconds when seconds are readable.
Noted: 3,35,14
